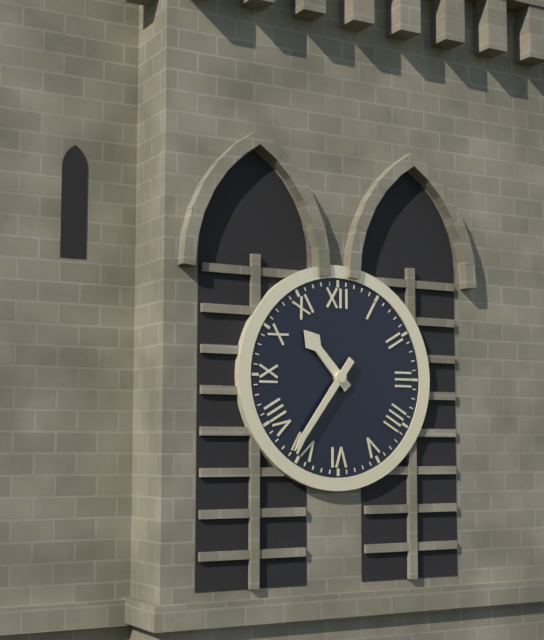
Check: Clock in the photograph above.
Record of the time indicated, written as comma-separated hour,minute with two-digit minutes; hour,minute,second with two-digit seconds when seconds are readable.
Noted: 10,36
